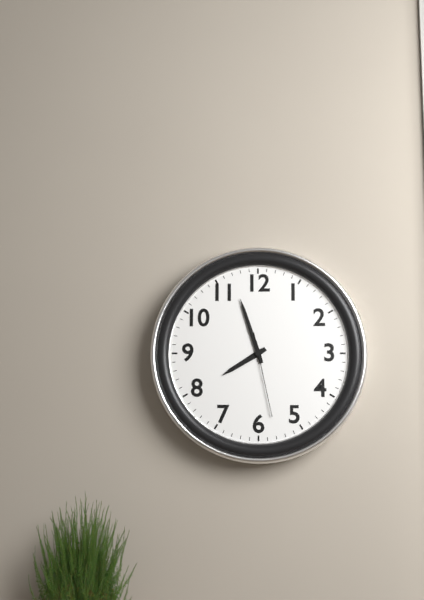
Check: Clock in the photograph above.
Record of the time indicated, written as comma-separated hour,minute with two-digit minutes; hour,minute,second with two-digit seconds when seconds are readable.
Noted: 7,57,28
